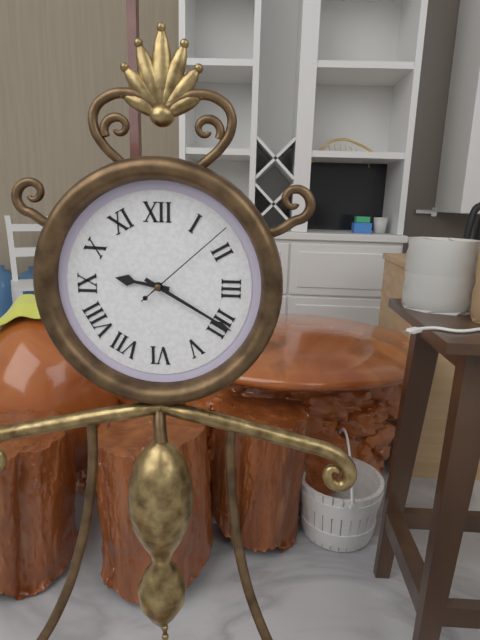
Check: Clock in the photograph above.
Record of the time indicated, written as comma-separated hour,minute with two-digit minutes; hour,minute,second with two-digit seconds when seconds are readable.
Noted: 9,20,08
